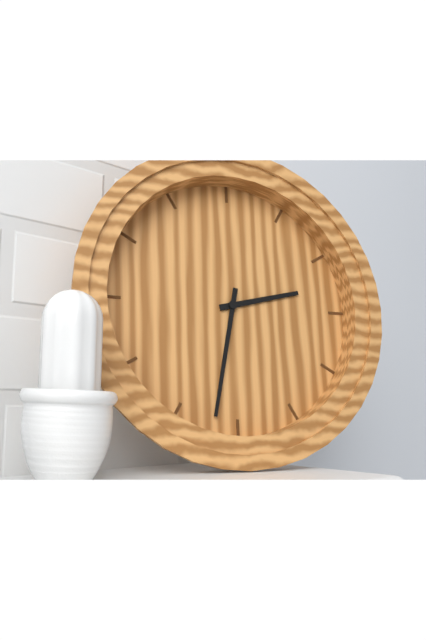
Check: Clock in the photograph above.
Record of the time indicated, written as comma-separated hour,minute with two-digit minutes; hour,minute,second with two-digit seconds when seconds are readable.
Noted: 2,32
